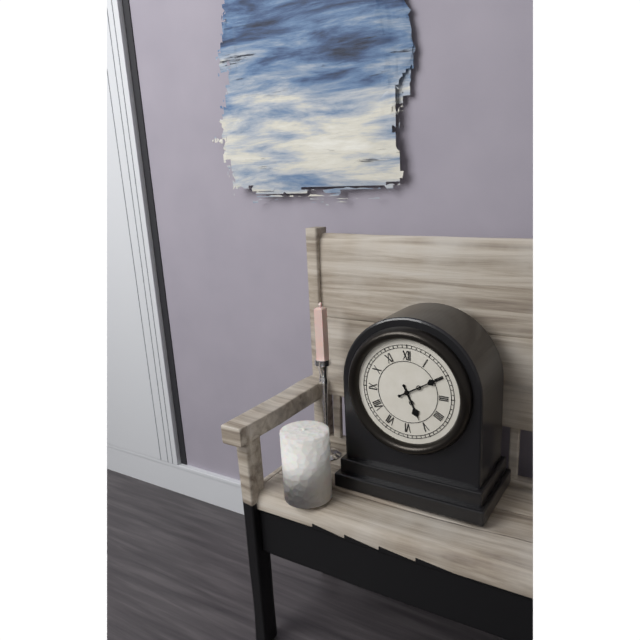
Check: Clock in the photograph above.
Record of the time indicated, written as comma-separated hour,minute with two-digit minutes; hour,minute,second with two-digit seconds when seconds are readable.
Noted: 5,10
